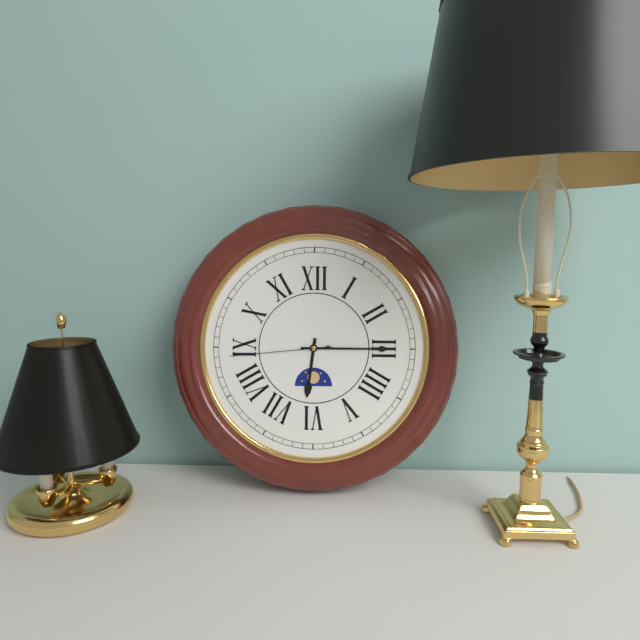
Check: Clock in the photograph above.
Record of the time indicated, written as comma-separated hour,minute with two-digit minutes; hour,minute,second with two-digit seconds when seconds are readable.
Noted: 6,15,44
